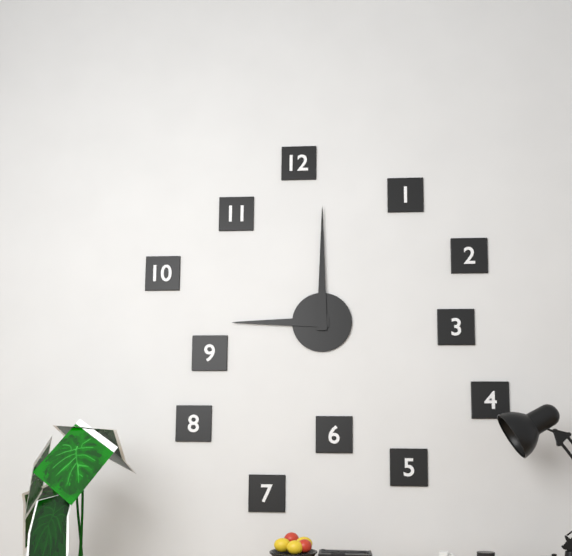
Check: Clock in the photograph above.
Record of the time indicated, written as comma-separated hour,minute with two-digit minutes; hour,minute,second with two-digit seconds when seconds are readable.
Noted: 9,00
